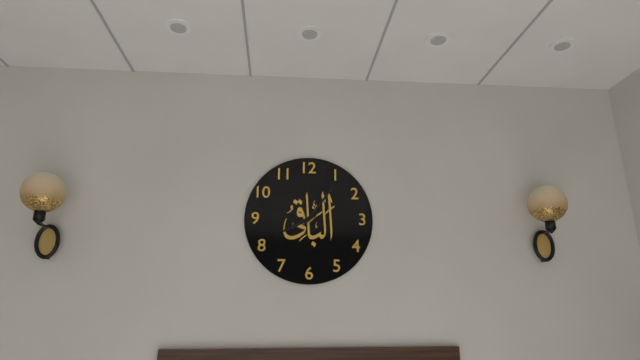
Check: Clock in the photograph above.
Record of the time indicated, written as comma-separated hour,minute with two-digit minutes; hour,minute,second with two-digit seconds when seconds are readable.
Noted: 8,06
